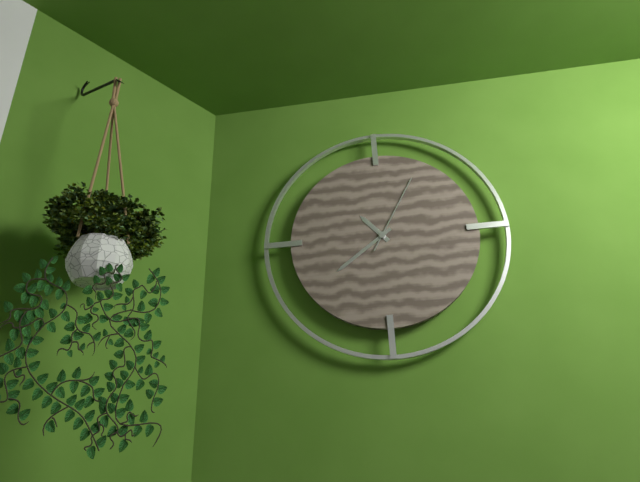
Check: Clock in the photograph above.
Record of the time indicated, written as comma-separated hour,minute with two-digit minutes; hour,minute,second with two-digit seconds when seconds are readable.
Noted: 10,39,05
